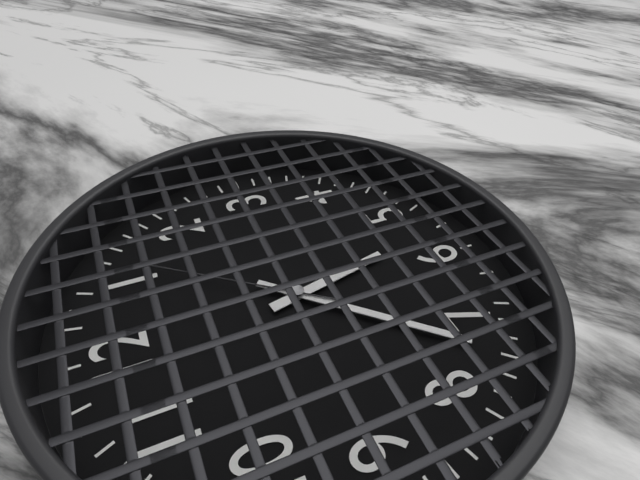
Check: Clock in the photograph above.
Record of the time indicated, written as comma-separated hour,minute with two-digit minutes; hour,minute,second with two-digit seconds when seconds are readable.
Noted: 5,37,06
